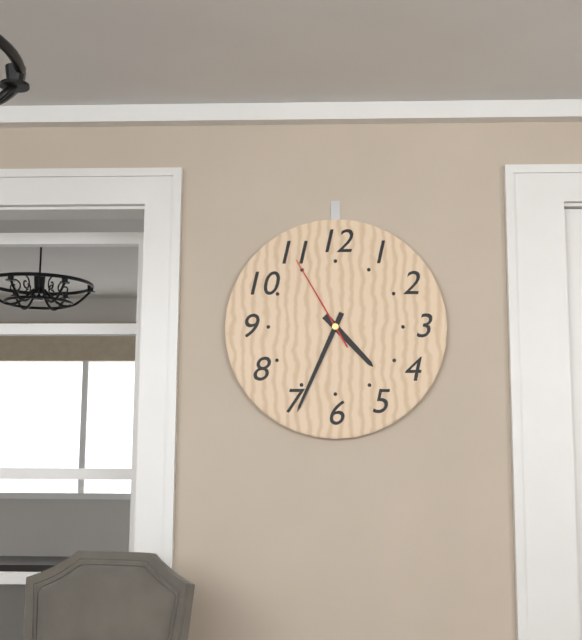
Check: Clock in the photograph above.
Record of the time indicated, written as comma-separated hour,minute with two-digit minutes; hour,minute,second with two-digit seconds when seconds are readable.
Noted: 4,34,55
